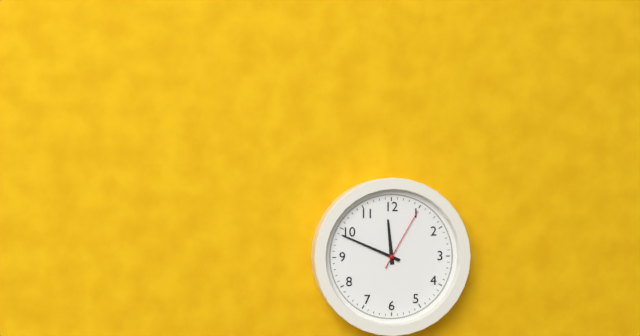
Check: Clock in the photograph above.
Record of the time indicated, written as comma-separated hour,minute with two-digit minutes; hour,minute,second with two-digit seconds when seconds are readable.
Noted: 11,49,05
